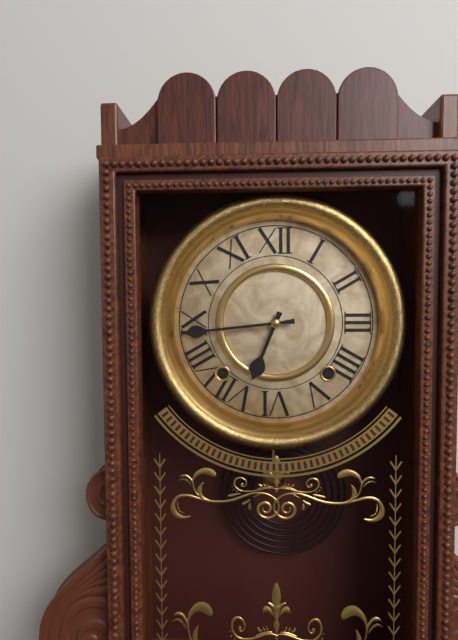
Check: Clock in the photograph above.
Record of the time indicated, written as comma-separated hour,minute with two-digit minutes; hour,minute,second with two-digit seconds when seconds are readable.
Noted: 6,44
